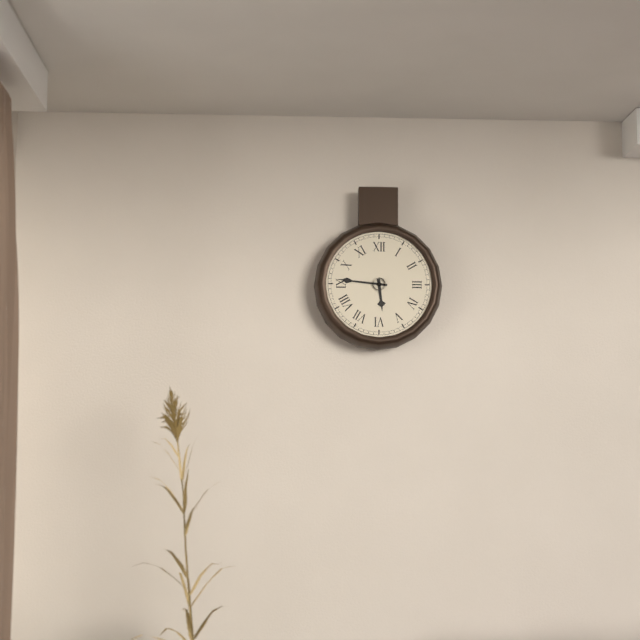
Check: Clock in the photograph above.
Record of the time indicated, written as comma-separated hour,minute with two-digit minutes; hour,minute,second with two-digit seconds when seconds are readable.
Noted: 5,46
